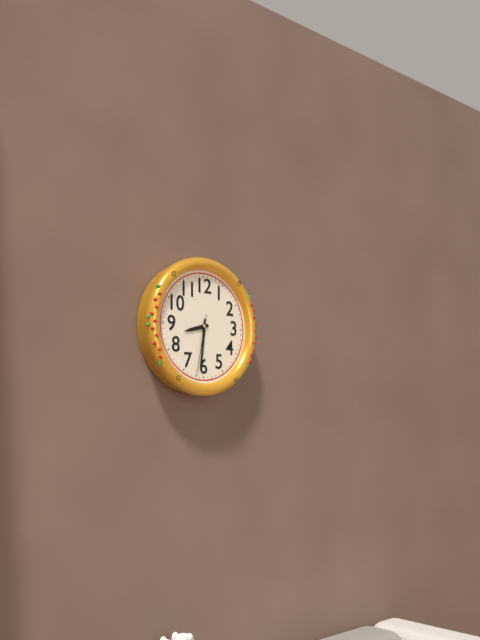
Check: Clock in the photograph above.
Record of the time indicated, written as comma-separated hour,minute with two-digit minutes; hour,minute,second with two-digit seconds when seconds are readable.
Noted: 8,31,32
